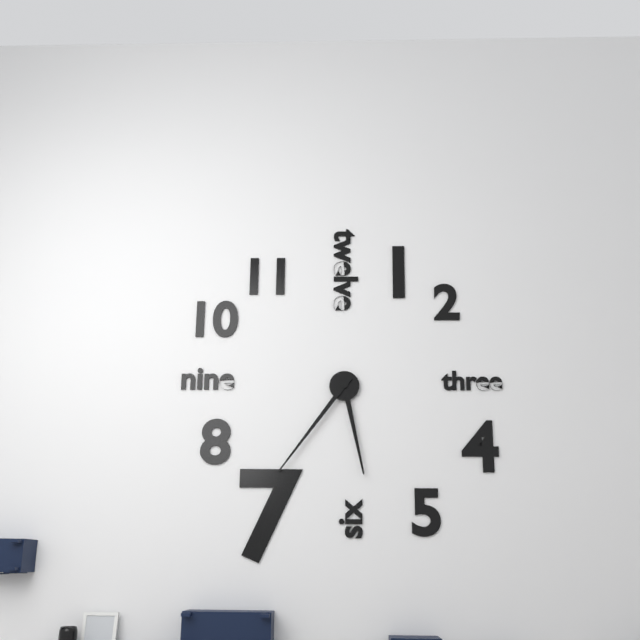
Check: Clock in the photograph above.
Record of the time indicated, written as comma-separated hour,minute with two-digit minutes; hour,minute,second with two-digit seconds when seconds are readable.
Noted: 5,36
